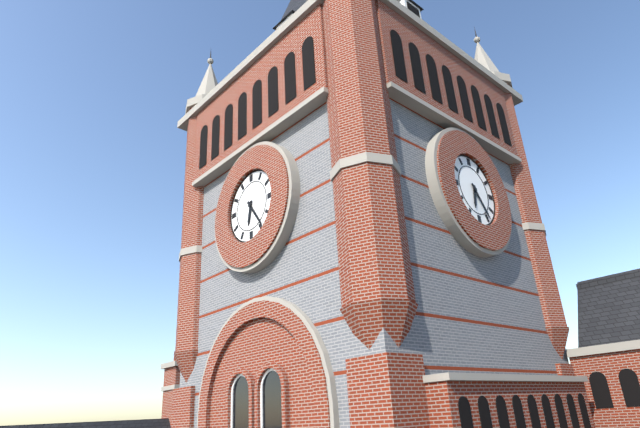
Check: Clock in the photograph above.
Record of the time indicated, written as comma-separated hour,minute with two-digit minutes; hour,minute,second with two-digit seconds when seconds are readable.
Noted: 6,24
